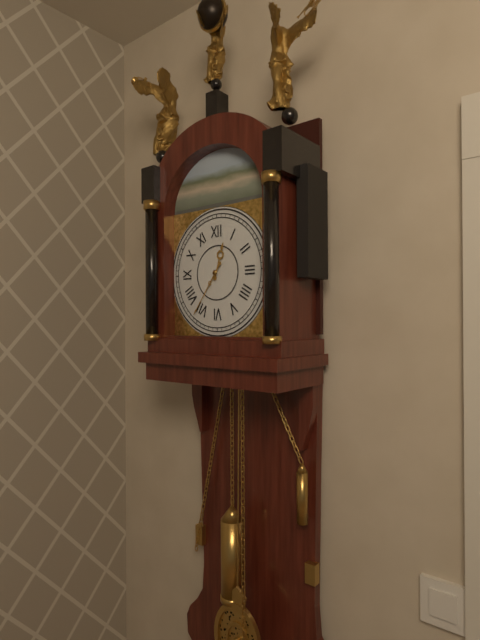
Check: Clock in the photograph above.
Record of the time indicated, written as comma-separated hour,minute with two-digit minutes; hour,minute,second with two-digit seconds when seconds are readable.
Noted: 12,36
